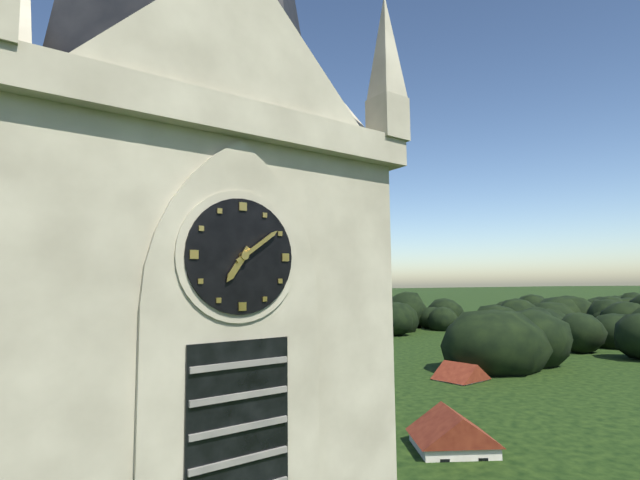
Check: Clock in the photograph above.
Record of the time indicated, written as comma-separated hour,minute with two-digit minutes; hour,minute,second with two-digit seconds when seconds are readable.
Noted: 7,09
